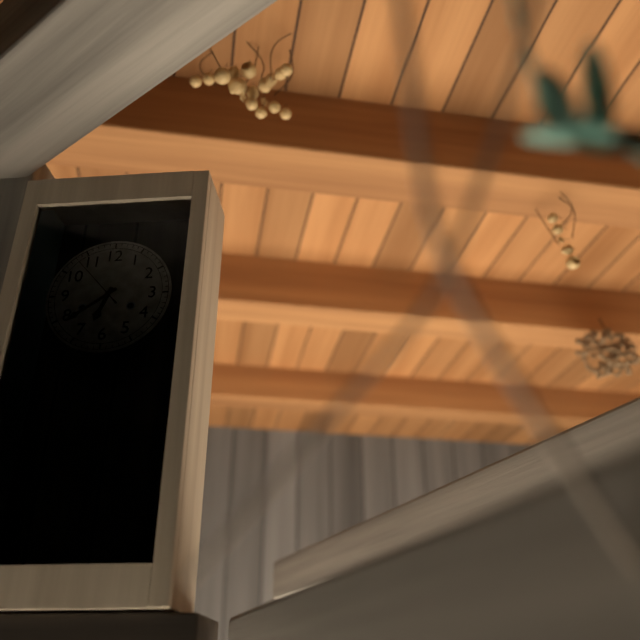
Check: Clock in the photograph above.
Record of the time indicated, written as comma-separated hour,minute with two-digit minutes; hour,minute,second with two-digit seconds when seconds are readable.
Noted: 6,39,53
